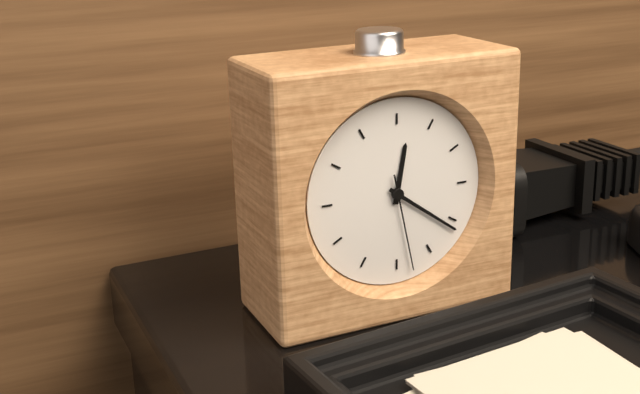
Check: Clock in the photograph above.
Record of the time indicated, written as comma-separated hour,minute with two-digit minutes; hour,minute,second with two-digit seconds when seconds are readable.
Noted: 12,21,28
